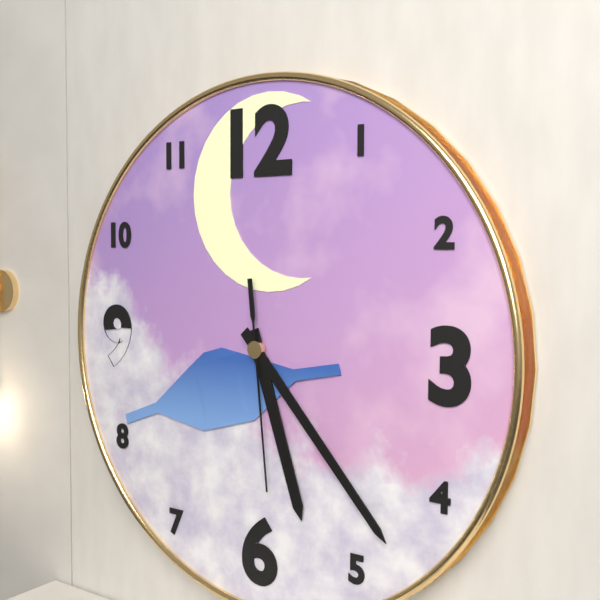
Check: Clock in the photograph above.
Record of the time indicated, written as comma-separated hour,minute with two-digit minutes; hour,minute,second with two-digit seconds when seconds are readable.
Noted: 5,23,29
